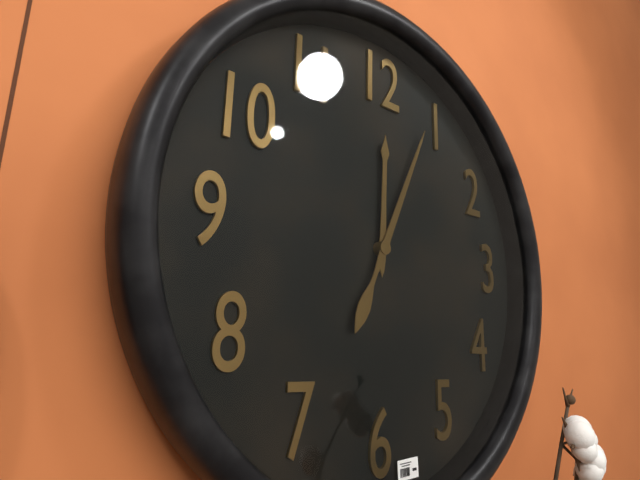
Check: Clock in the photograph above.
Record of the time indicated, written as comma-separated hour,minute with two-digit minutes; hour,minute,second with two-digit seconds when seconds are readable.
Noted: 12,04
